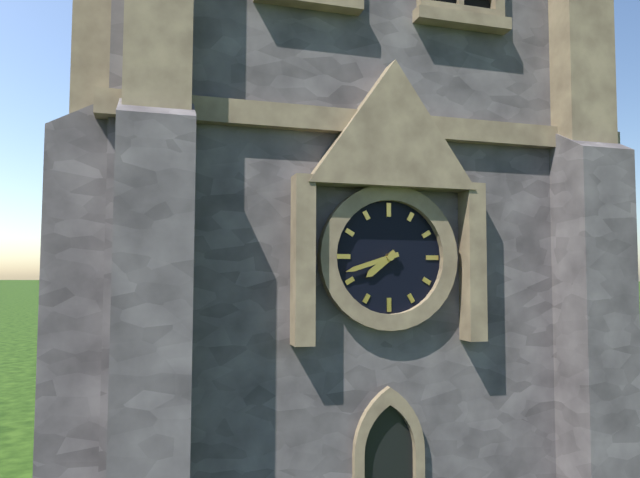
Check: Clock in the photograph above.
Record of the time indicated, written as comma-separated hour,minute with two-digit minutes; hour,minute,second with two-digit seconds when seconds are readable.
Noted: 7,42
